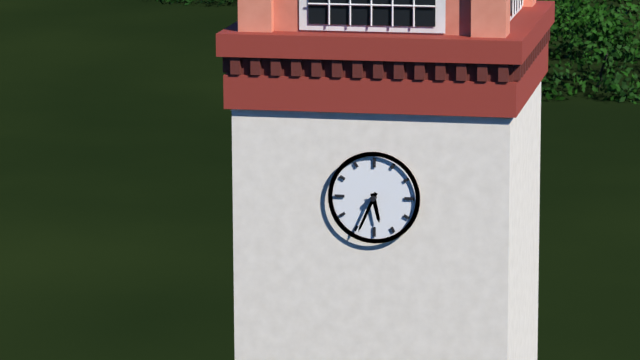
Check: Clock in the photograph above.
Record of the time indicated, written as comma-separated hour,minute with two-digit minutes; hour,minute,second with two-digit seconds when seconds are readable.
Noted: 5,34
